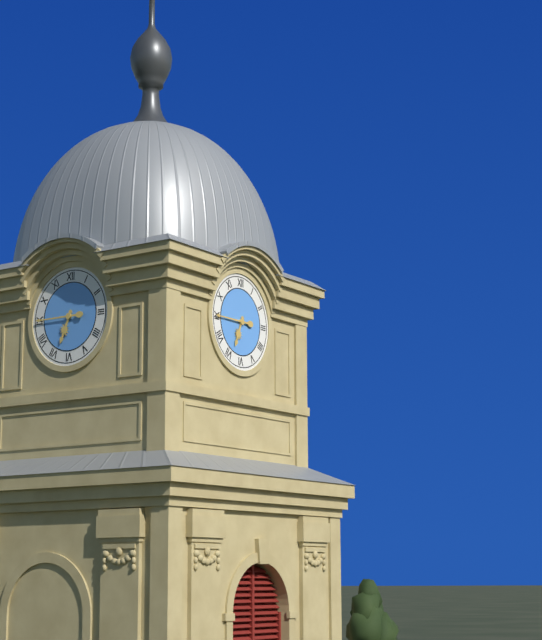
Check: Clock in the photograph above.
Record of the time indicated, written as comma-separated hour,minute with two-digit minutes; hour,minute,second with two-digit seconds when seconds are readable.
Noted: 6,45
